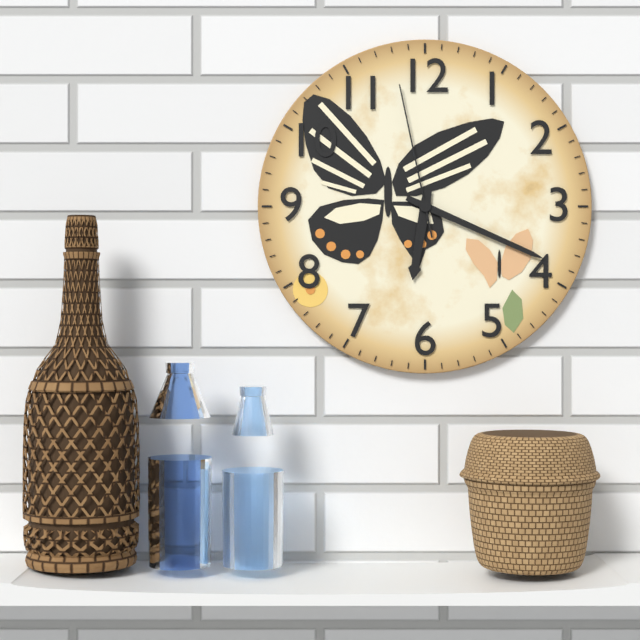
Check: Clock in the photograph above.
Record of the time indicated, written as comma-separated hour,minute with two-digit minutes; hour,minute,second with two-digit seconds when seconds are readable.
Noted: 6,19,58
